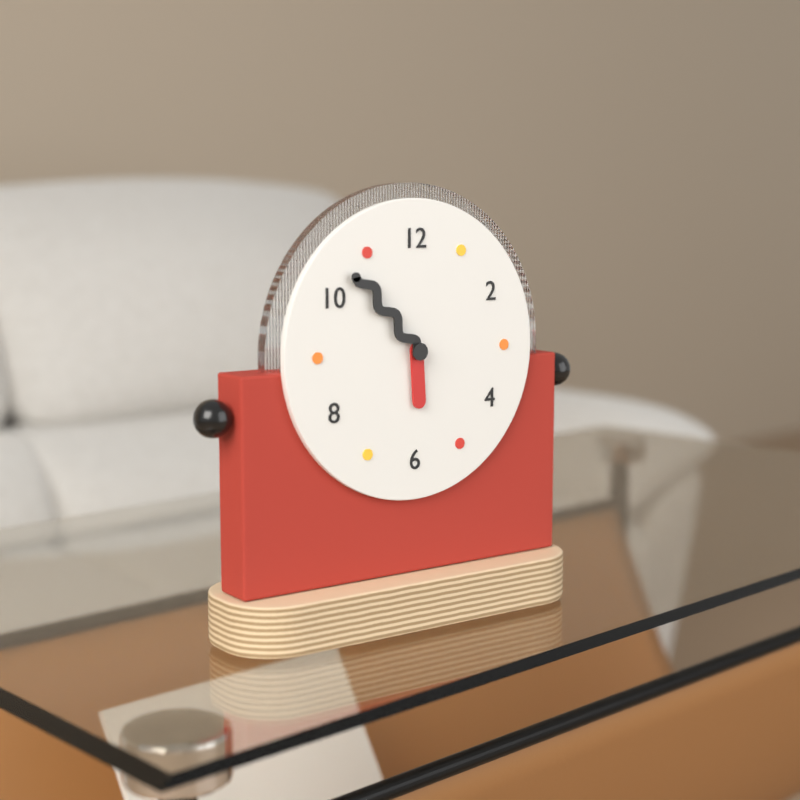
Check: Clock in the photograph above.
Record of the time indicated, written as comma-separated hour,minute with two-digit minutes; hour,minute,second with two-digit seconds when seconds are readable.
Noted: 5,53
